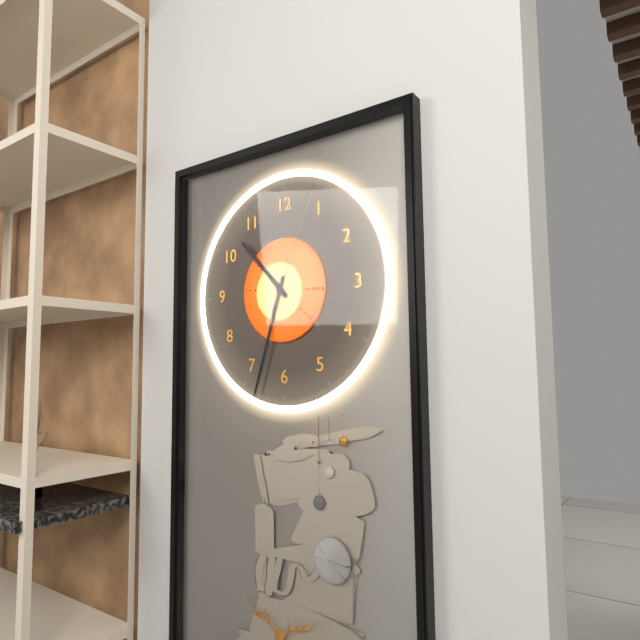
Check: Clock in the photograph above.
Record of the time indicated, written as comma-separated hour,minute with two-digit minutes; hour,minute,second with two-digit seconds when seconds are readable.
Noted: 10,33,04
